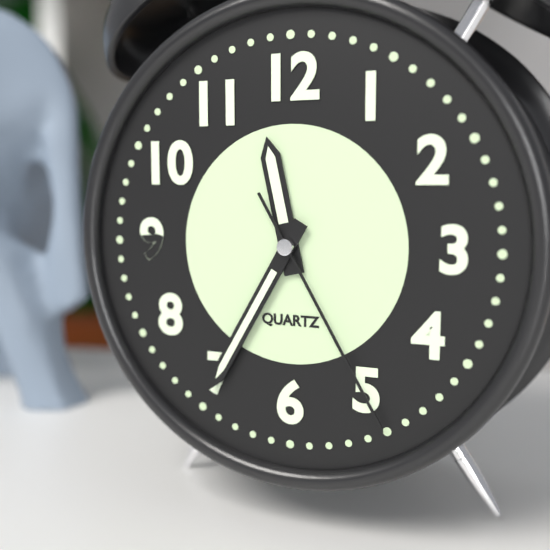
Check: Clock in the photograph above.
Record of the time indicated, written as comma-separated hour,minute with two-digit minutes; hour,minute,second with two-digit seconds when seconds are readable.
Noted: 11,35,25
